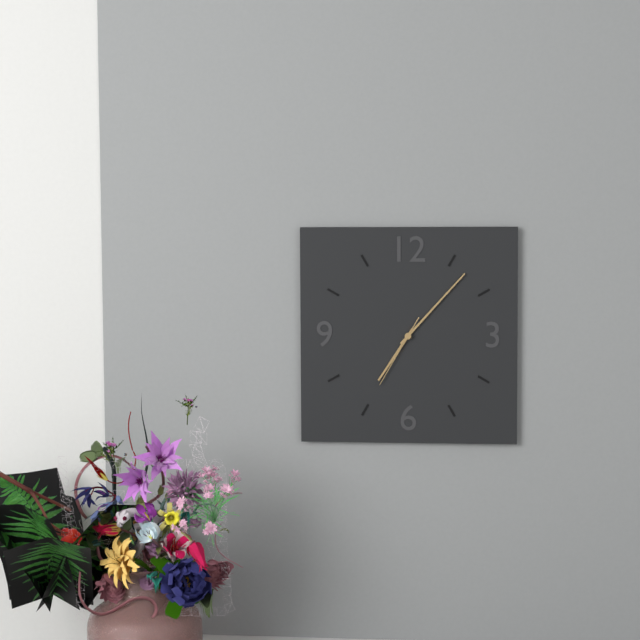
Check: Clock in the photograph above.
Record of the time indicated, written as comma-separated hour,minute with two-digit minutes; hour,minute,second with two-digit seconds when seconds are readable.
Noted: 7,07,35
